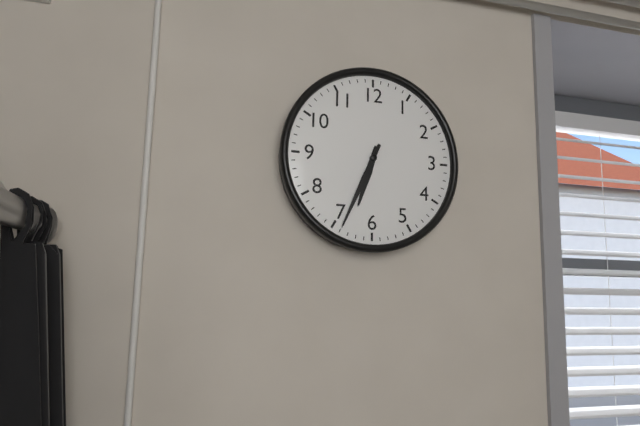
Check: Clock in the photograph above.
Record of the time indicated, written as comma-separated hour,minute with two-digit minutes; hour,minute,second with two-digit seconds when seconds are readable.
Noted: 6,34
